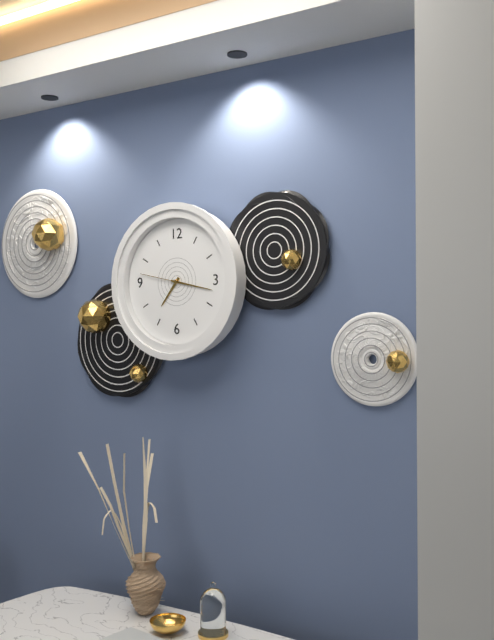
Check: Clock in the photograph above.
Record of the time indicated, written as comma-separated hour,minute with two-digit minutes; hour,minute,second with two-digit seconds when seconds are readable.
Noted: 7,17
